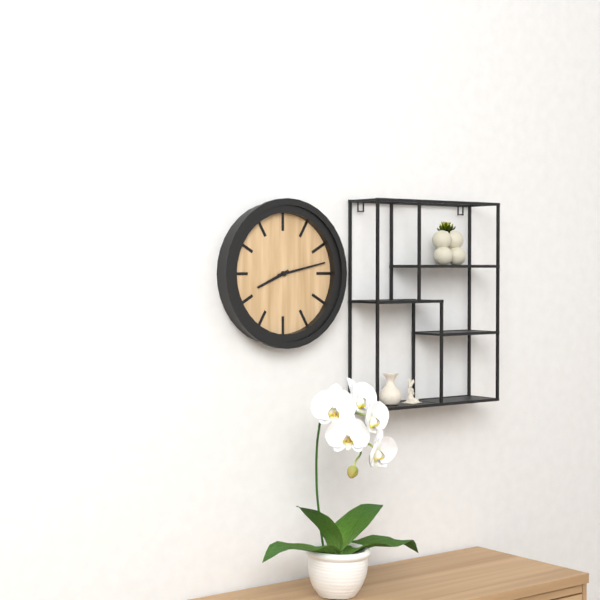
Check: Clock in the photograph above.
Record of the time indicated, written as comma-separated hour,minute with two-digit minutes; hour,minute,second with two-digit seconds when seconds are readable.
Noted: 8,13
